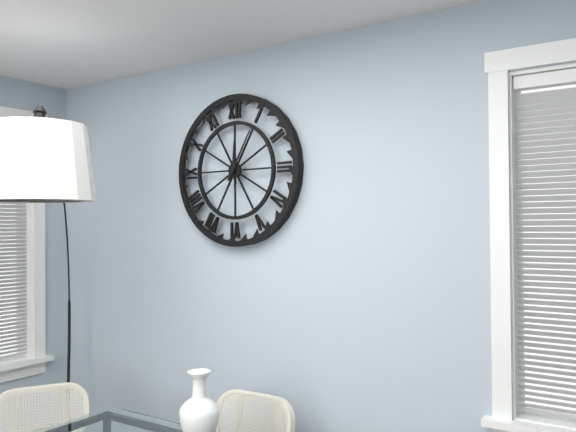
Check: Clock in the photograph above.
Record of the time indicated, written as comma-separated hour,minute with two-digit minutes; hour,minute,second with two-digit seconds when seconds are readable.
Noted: 12,05
